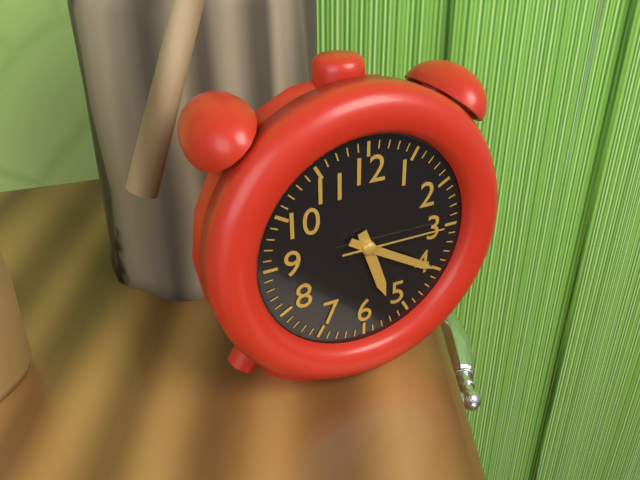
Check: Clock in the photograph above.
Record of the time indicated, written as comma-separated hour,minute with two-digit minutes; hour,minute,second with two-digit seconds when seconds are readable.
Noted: 5,20,15
